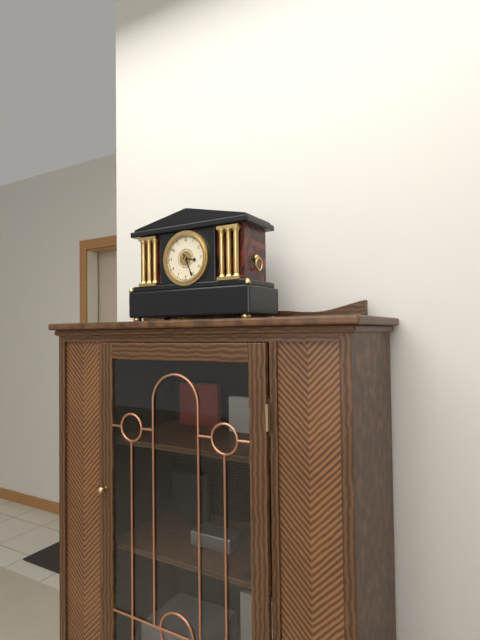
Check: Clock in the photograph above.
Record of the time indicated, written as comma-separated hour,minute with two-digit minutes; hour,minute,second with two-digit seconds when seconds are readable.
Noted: 3,26
